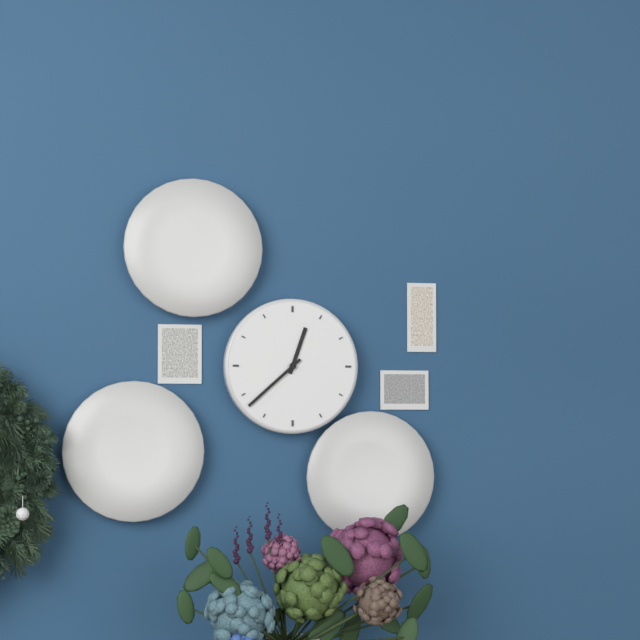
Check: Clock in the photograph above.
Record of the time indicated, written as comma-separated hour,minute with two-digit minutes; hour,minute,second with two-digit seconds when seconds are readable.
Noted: 12,38
